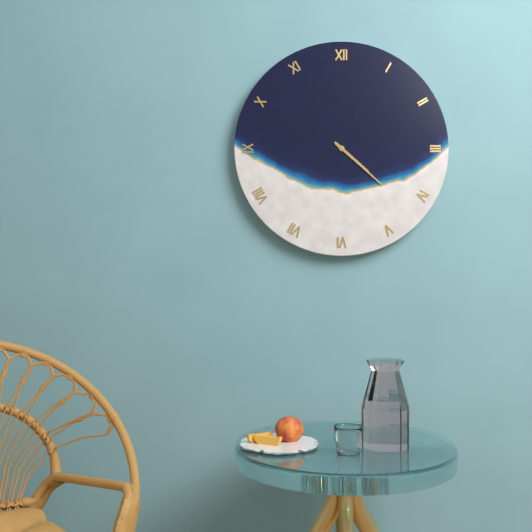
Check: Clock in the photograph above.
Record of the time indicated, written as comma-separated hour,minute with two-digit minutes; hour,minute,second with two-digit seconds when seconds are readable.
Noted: 4,22
